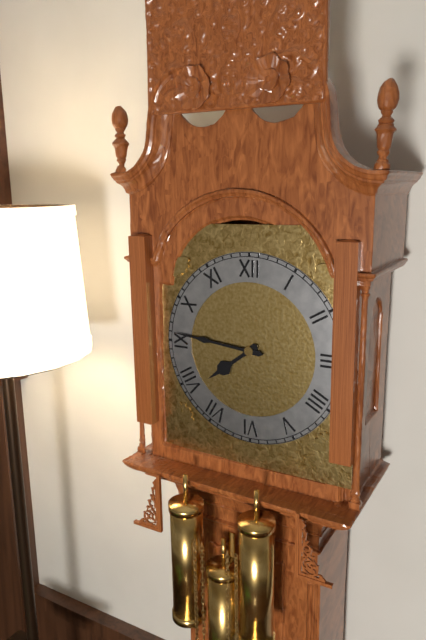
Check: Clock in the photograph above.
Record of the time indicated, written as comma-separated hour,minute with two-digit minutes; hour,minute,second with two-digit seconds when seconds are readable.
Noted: 7,46
